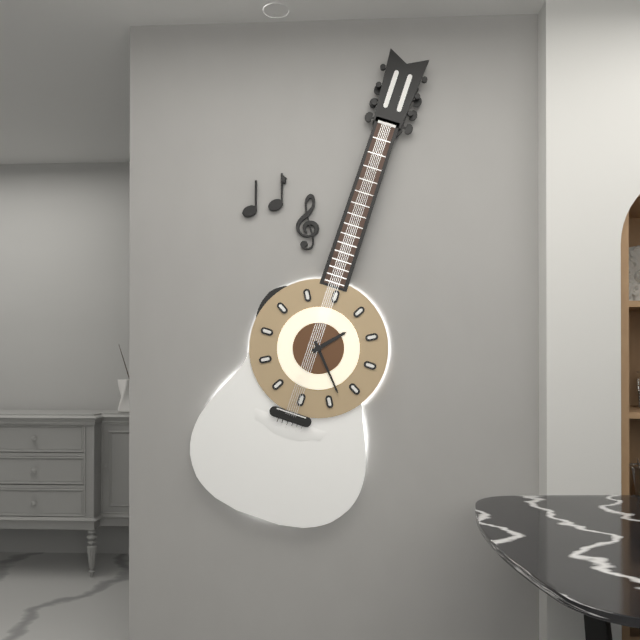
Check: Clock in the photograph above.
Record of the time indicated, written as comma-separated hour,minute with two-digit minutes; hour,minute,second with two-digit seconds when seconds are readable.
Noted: 1,23
